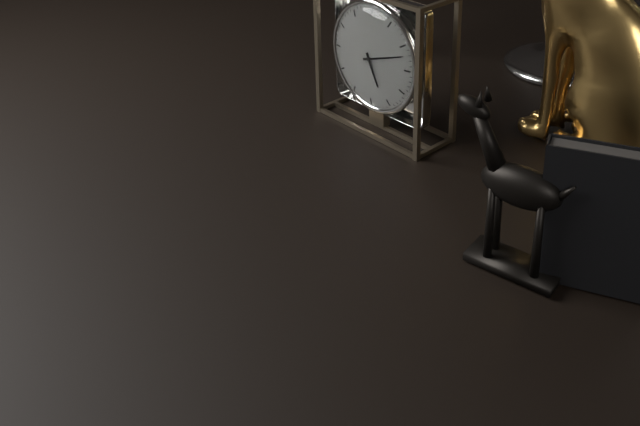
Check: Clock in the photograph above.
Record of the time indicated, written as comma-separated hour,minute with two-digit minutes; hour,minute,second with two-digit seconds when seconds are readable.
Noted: 5,12
